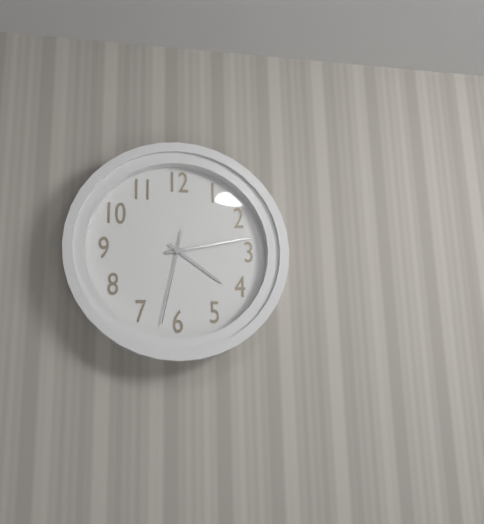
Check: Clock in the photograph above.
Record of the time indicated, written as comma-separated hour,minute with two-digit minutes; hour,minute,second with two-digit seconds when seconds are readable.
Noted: 4,13,32
